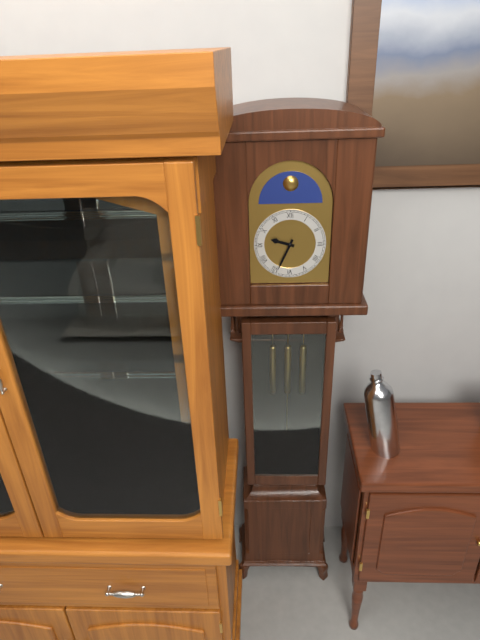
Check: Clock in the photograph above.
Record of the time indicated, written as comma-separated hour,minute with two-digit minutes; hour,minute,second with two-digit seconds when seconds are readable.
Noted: 9,34
